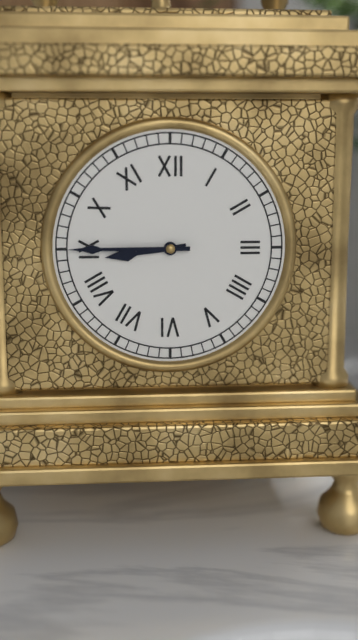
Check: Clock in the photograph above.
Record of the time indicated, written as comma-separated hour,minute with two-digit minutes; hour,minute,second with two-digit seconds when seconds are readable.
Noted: 8,45
